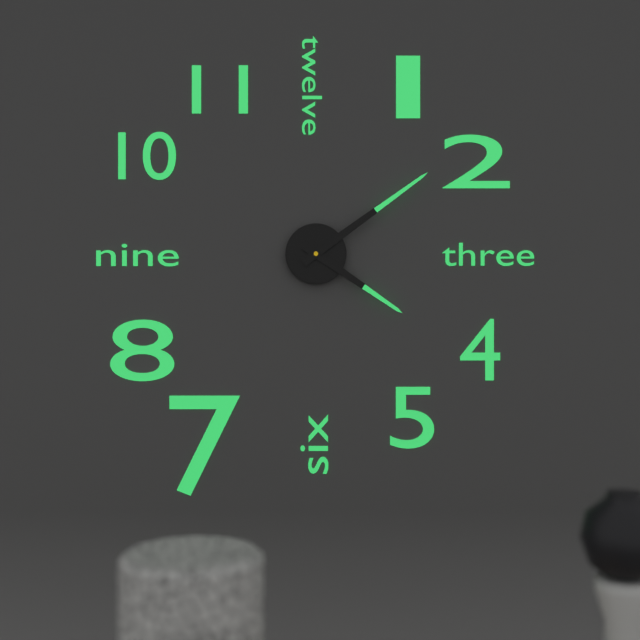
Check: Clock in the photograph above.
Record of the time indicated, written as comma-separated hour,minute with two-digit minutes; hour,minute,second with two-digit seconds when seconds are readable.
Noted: 4,09
